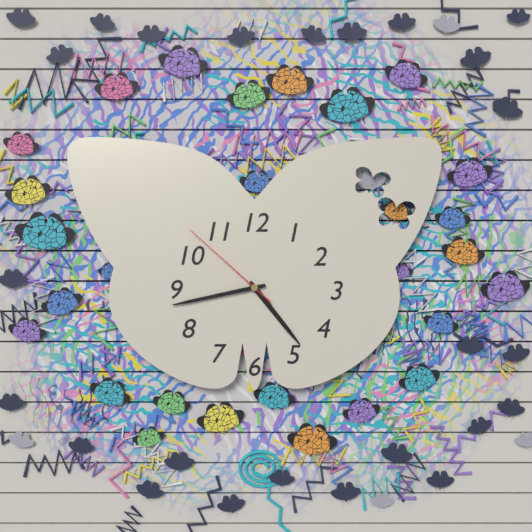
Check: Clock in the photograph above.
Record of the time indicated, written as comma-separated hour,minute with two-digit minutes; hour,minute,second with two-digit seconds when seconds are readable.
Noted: 4,43,52
